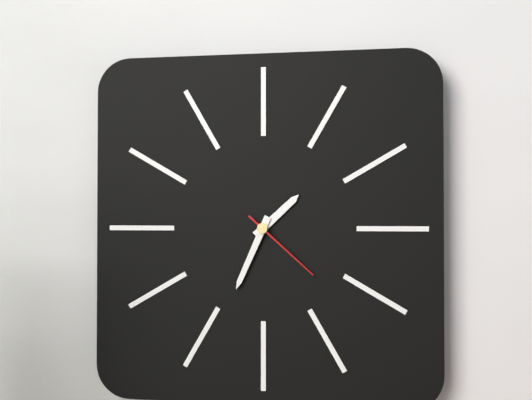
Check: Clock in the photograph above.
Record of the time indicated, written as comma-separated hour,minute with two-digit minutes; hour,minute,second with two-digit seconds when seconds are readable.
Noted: 1,34,22
